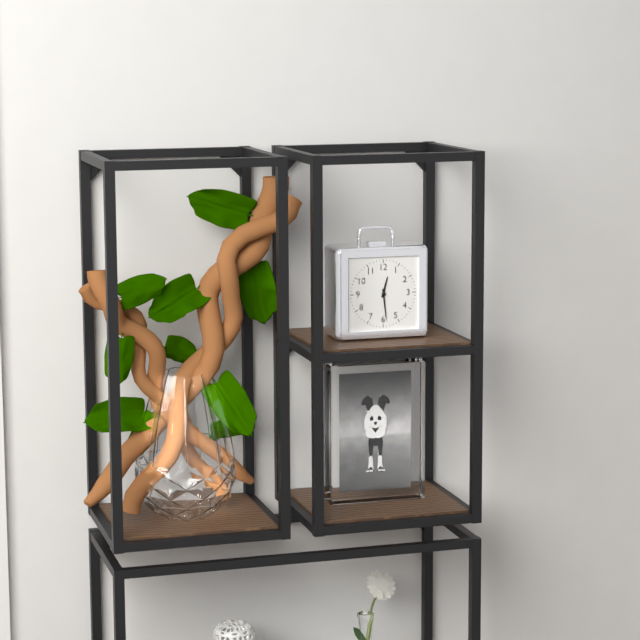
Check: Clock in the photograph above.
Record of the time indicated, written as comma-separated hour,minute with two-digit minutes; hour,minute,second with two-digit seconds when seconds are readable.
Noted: 12,29
